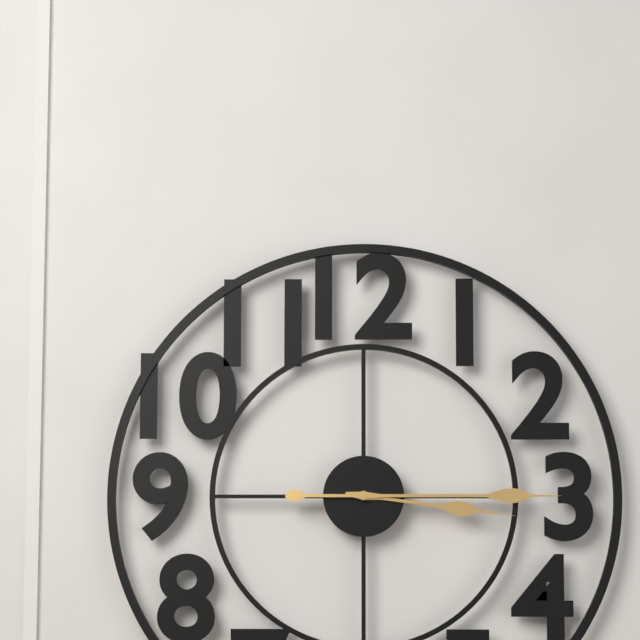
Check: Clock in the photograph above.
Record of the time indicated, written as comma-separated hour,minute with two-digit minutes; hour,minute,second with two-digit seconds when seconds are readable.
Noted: 3,15
